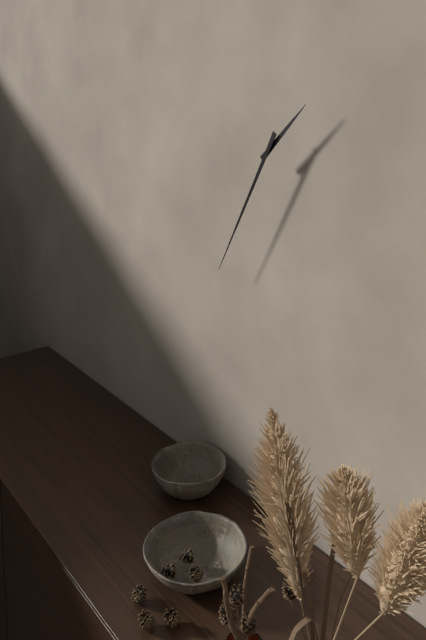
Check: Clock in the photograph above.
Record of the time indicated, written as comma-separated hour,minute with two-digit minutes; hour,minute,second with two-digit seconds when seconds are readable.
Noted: 1,35
